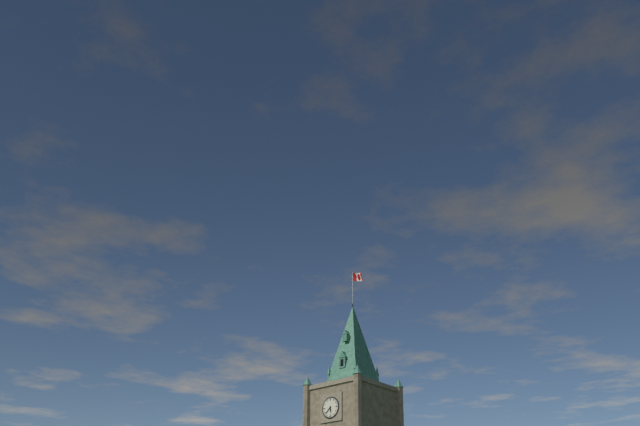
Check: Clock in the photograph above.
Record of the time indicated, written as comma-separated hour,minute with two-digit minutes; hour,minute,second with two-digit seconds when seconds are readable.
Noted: 5,38
